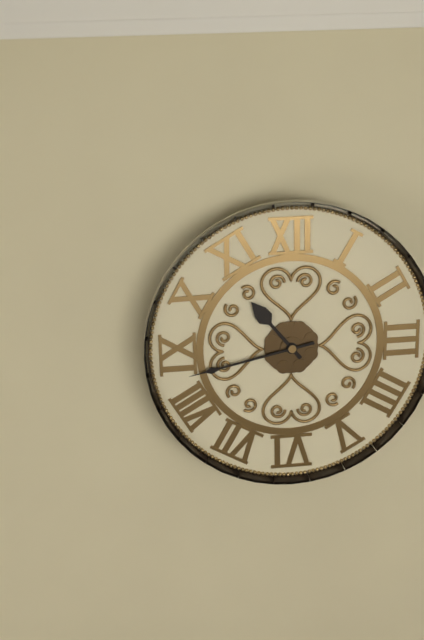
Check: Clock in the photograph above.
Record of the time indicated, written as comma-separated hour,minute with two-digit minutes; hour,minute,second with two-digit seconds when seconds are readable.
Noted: 10,43
